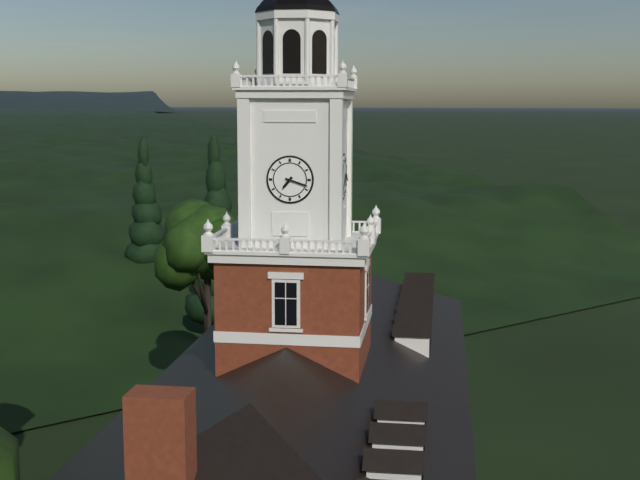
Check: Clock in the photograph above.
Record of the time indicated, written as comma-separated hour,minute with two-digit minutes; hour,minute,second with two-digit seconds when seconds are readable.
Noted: 7,18
